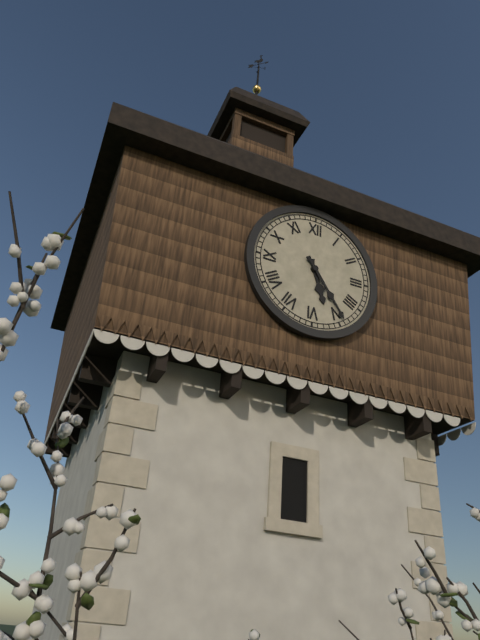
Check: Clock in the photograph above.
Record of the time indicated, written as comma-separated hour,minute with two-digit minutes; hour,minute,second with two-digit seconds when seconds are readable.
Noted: 5,24
